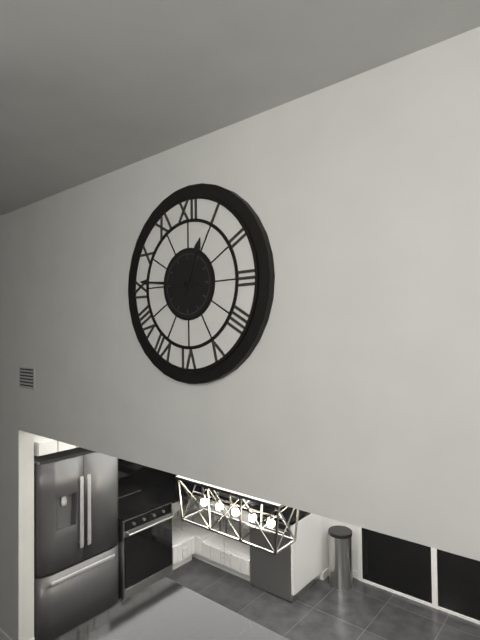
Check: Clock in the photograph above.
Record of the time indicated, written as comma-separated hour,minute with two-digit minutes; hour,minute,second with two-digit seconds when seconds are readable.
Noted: 12,46
